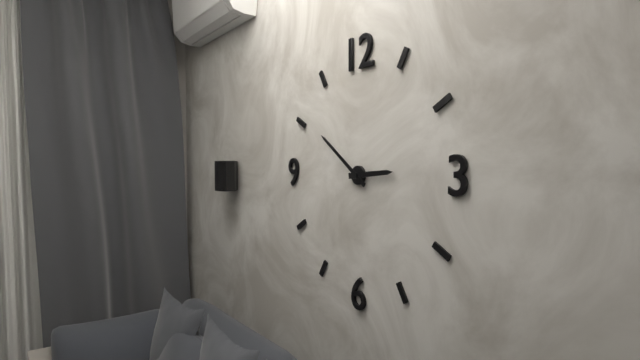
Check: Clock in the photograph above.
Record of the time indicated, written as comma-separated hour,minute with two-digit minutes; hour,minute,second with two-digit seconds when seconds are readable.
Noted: 2,51
